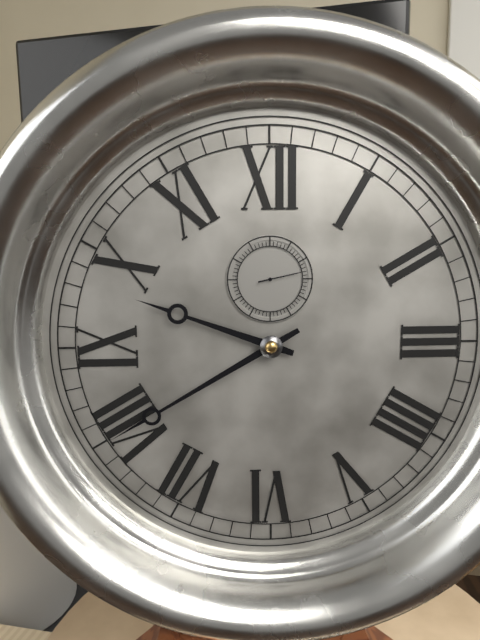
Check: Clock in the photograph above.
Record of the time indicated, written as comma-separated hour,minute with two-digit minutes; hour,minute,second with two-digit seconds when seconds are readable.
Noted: 9,40
